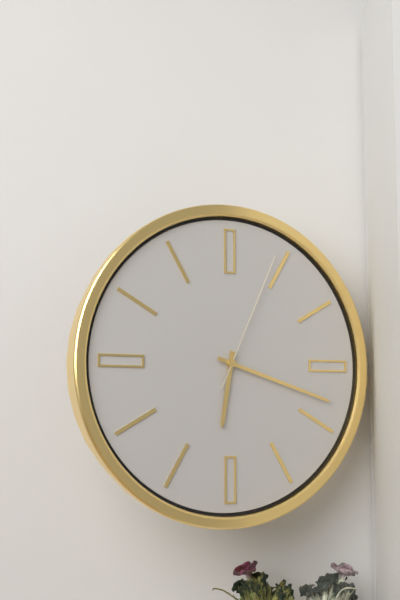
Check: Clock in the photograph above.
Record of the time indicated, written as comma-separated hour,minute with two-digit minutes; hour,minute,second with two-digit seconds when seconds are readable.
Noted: 6,18,04
